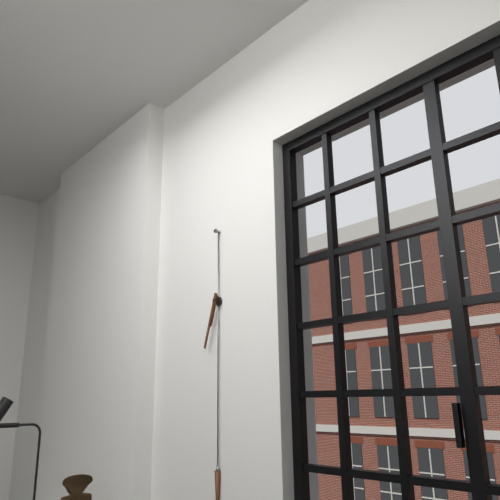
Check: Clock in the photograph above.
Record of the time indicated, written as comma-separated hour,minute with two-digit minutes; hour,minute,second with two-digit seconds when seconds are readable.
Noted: 6,33
